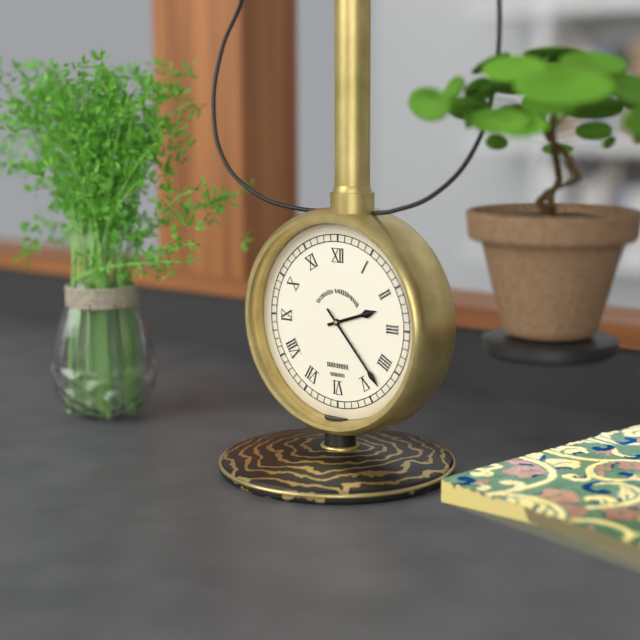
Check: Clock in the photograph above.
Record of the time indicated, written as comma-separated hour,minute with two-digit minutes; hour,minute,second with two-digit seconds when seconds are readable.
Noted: 2,23
